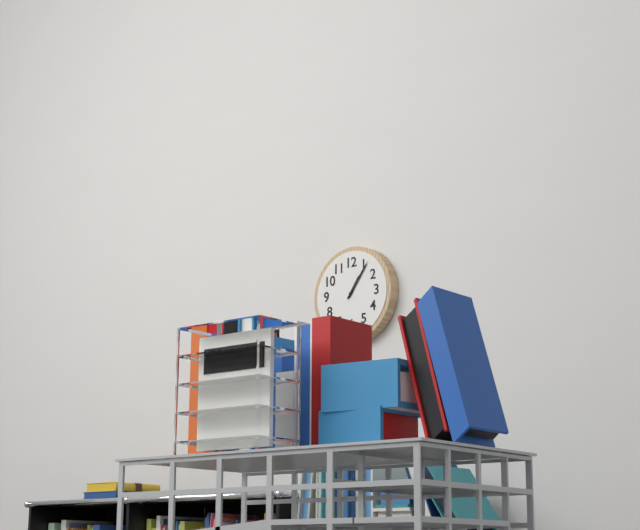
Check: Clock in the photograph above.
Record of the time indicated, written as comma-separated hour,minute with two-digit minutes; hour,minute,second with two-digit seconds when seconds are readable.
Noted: 1,06
